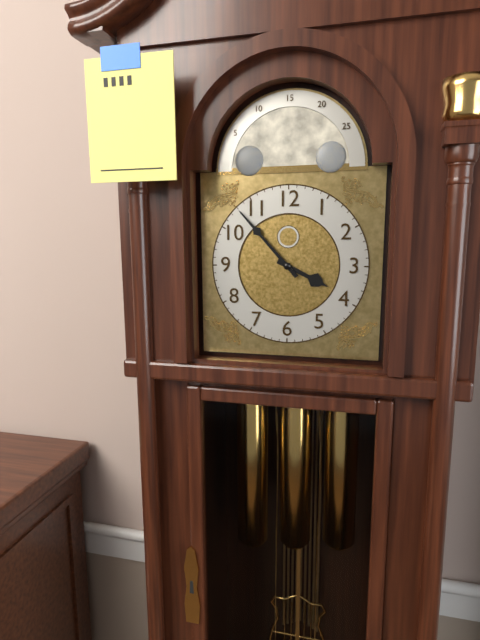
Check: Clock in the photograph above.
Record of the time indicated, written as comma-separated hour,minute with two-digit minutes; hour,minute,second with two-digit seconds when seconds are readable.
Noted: 3,53
